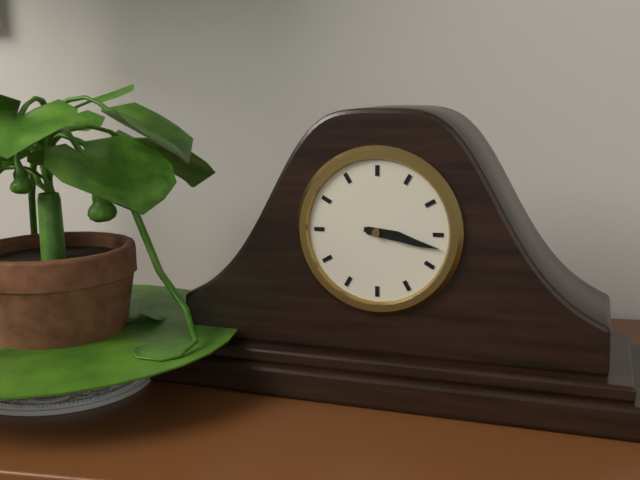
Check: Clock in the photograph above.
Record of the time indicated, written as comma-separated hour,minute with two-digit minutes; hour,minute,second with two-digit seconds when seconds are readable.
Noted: 3,17
